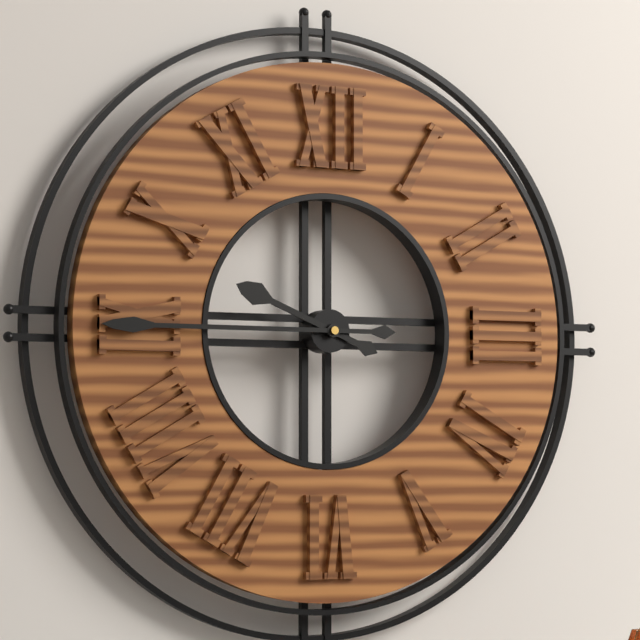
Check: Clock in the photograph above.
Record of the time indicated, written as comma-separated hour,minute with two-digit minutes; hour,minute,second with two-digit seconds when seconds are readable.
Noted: 9,45
